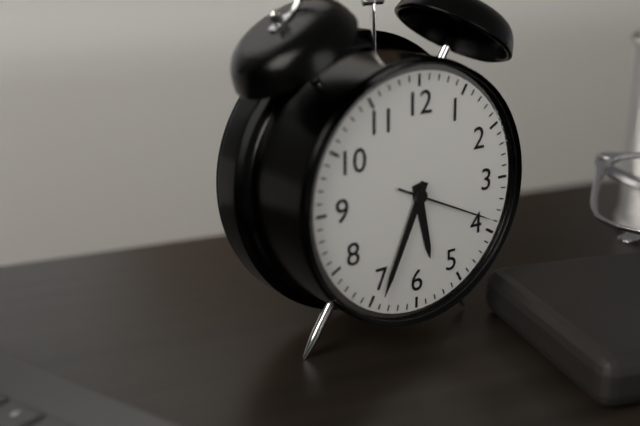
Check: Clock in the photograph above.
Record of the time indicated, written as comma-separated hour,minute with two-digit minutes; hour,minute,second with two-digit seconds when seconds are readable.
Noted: 5,34,19
